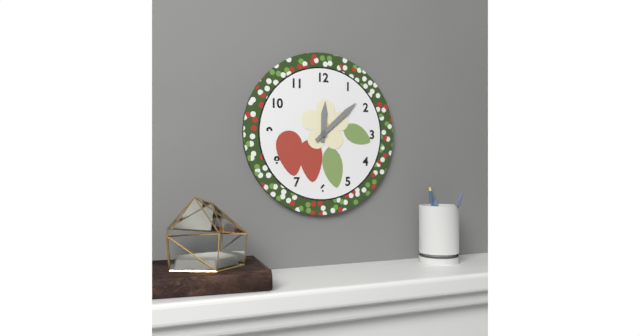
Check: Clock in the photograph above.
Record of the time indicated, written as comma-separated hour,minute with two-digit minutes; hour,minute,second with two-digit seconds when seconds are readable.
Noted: 12,08
